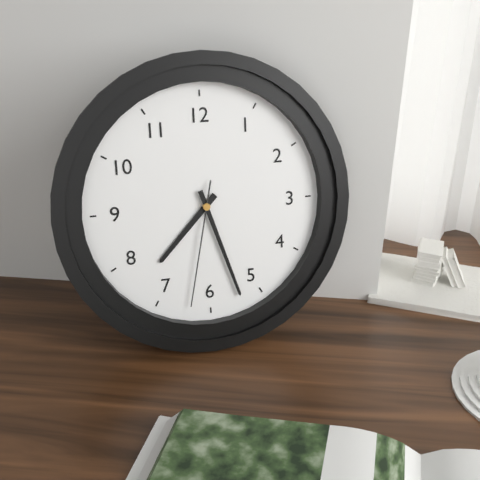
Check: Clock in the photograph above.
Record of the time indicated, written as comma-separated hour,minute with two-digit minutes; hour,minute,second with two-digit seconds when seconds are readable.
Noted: 7,27,32
